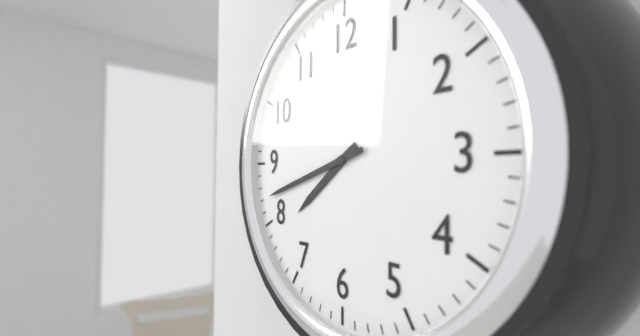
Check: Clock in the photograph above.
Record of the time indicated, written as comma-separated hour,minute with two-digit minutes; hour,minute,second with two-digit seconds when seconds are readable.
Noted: 7,42
